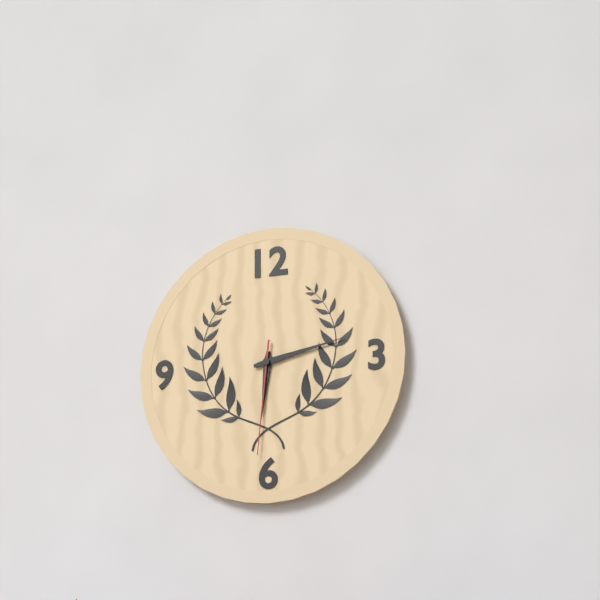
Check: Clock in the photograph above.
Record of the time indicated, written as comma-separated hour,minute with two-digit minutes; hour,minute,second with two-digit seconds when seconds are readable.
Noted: 6,13,31
